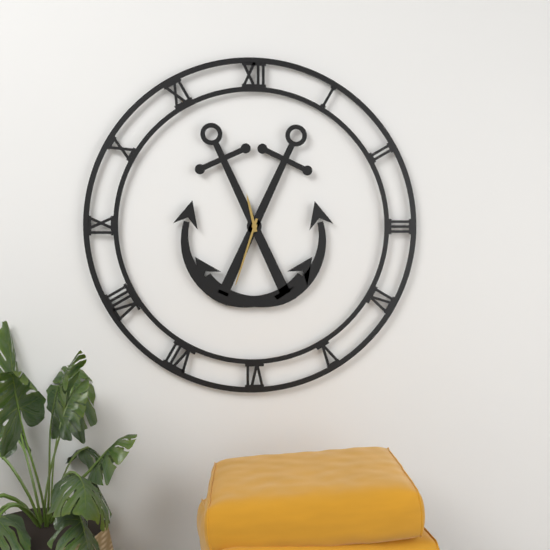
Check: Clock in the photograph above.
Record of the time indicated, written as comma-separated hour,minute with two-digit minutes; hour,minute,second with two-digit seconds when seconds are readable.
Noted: 11,33
